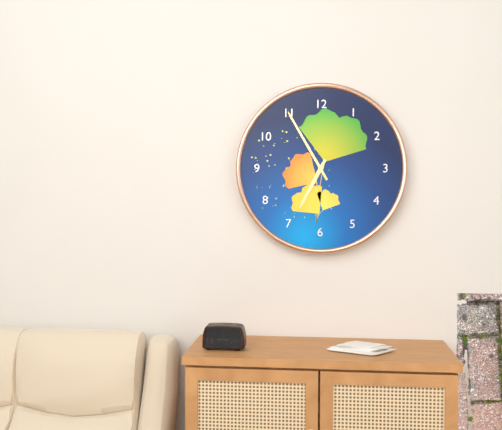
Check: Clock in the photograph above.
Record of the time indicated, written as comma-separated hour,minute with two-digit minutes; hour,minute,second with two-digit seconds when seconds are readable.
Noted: 6,55
